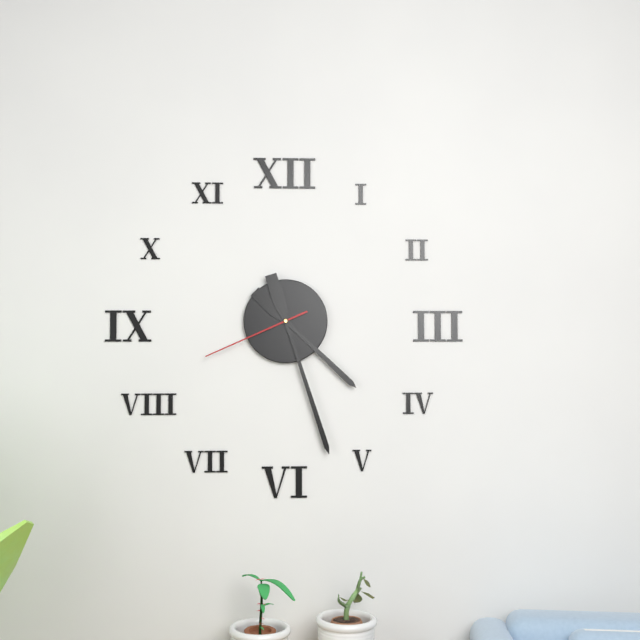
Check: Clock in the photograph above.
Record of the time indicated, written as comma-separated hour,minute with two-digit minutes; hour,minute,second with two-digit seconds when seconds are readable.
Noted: 4,27,41
